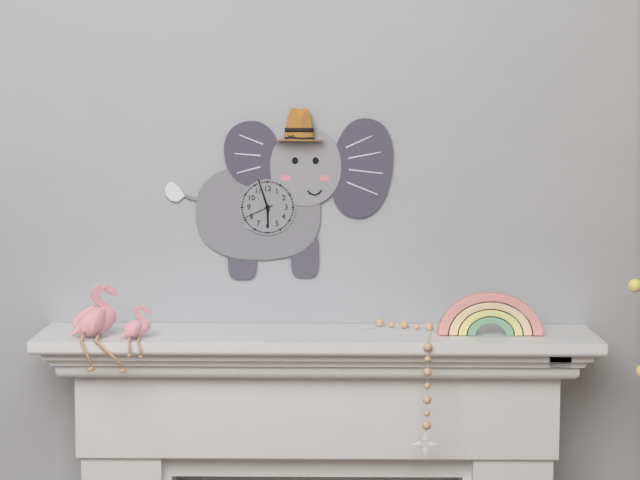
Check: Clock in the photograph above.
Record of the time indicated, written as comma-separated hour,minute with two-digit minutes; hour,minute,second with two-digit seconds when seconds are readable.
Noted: 5,57
